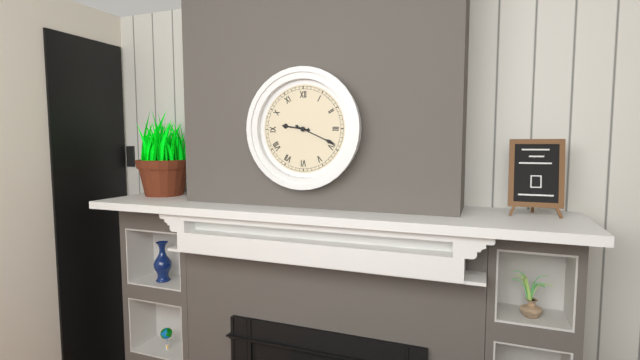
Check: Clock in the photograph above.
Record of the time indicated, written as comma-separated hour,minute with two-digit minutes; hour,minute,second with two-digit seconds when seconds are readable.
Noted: 9,19
